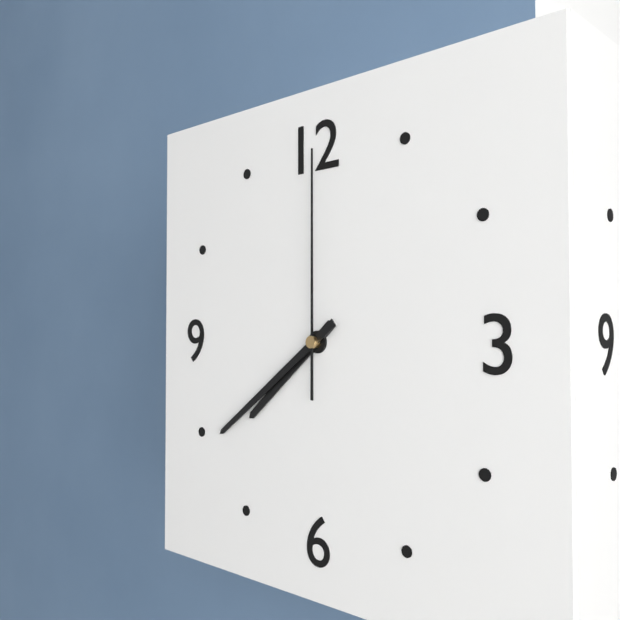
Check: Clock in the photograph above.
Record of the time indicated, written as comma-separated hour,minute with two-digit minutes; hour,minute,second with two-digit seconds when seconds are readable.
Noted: 7,39,00
